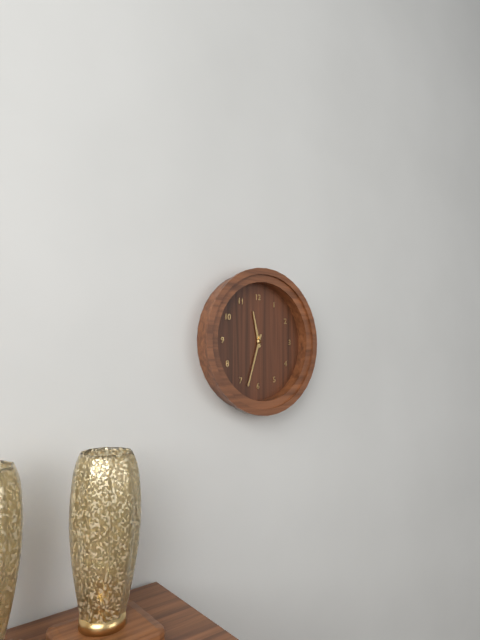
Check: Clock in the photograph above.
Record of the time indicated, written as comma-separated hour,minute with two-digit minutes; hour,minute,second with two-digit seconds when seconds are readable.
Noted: 11,33
